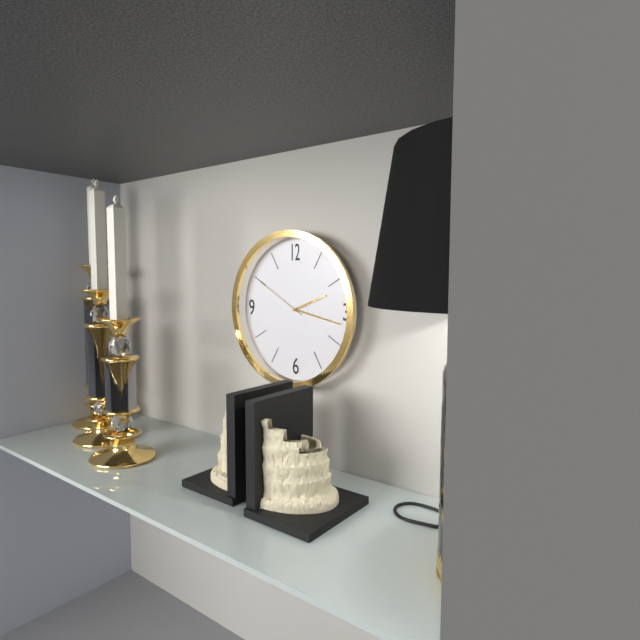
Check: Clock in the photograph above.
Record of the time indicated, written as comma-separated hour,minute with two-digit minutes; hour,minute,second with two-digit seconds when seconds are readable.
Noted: 2,17,50
